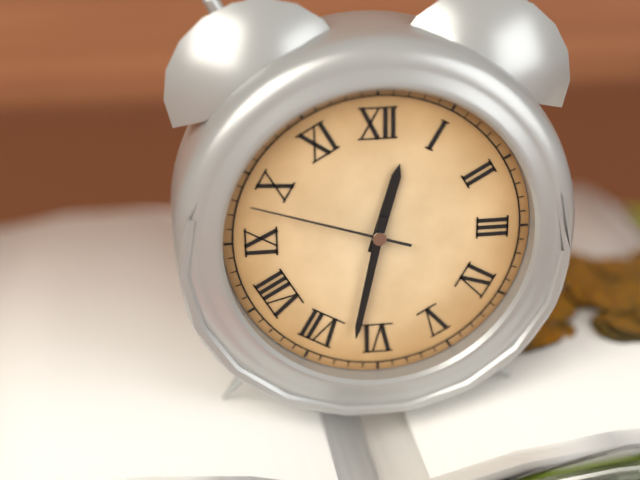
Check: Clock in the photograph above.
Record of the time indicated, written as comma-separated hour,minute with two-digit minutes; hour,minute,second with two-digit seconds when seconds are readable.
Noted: 12,32,48
